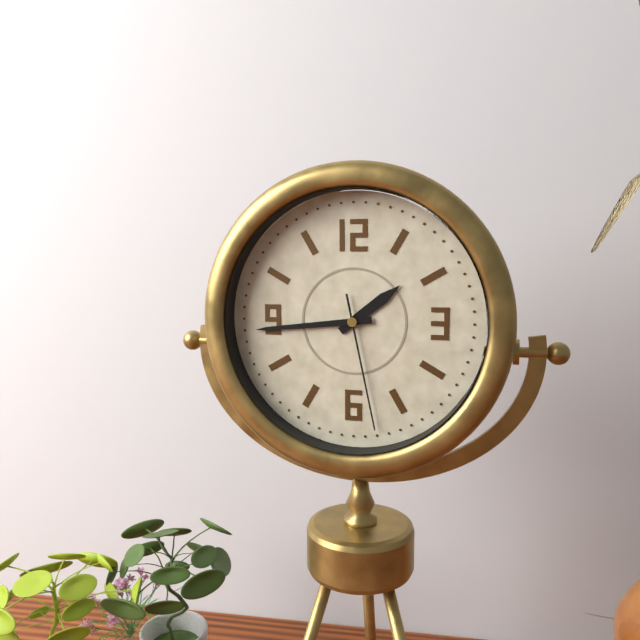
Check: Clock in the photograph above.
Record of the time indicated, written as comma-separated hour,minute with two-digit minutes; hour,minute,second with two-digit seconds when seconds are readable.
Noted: 1,44,28
